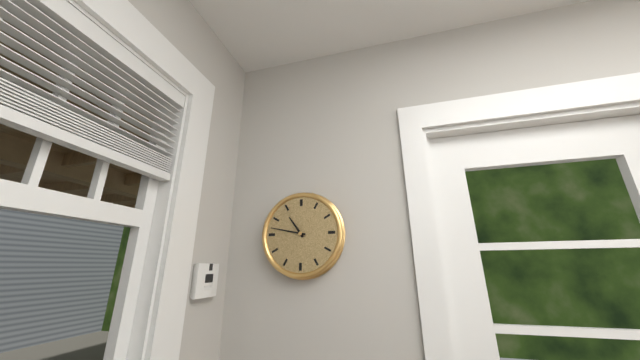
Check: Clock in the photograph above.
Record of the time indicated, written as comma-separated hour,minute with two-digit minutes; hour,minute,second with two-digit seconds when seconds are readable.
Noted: 10,47
